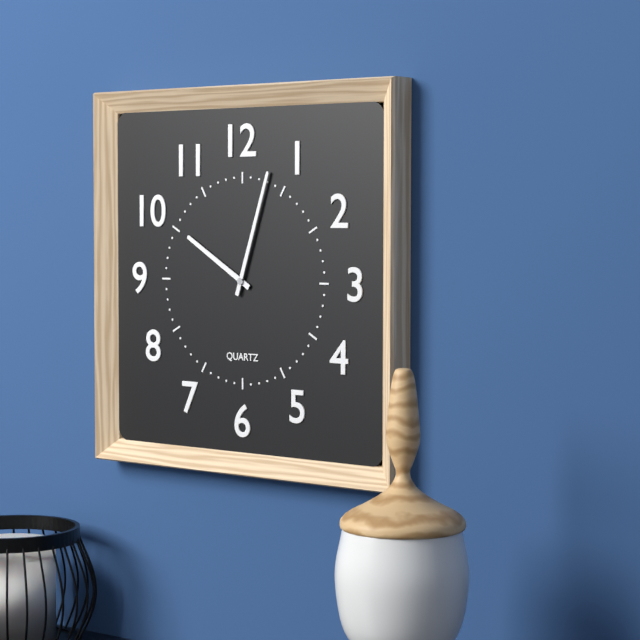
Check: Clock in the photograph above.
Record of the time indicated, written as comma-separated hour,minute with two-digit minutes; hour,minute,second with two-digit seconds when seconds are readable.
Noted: 10,03
